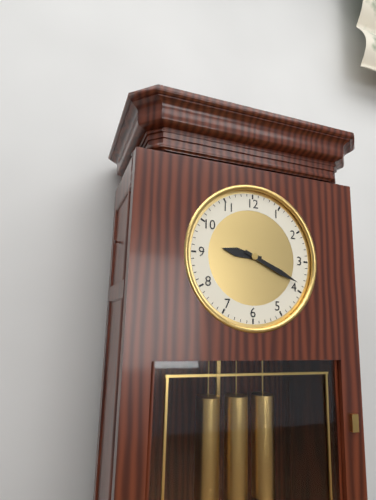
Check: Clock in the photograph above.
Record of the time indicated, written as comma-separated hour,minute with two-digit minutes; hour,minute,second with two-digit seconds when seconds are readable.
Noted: 9,19
